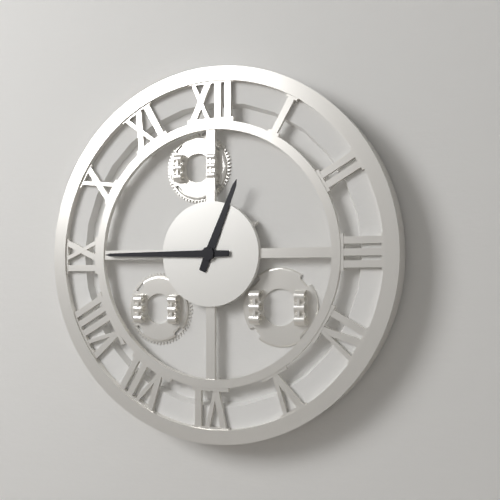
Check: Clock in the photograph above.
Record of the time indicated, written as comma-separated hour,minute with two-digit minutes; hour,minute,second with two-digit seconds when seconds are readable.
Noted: 12,45
